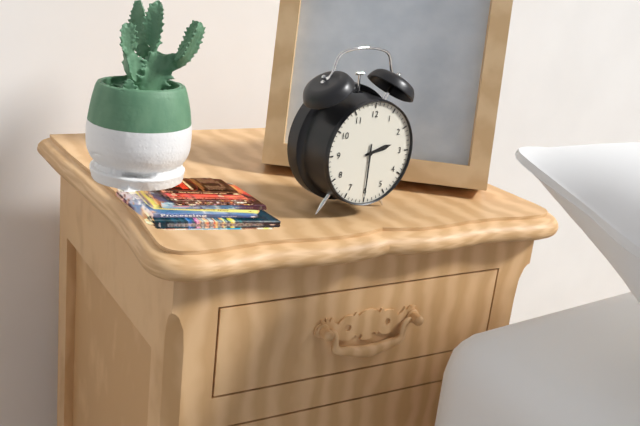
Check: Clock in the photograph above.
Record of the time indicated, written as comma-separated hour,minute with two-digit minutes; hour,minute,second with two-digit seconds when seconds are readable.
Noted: 2,30
